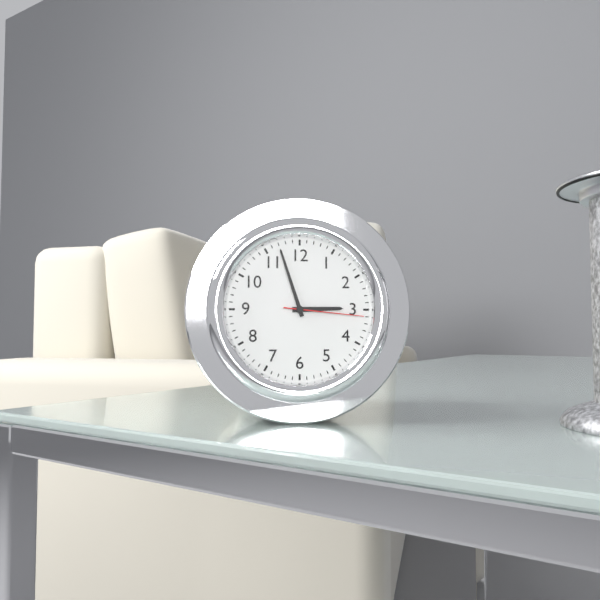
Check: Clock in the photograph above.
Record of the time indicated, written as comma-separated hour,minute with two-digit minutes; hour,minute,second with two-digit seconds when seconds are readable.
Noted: 2,57,16
